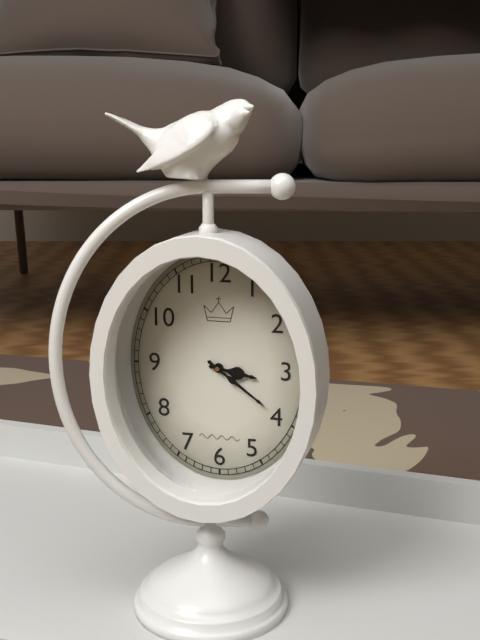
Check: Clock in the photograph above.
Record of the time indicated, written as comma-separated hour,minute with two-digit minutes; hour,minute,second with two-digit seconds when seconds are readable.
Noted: 3,21
